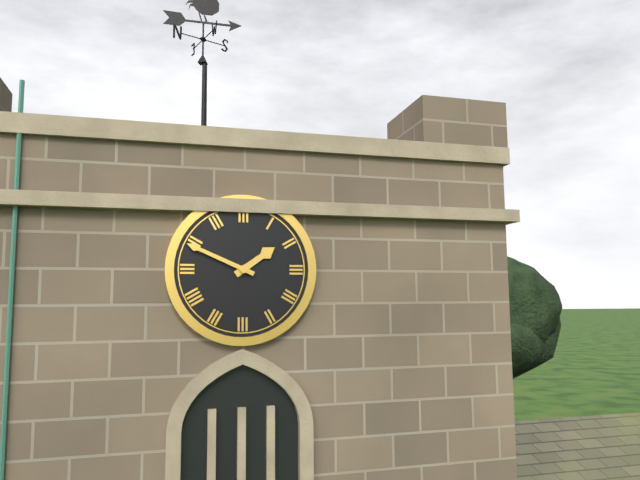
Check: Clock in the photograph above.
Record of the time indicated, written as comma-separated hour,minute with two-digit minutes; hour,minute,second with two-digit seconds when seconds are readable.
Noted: 1,49
